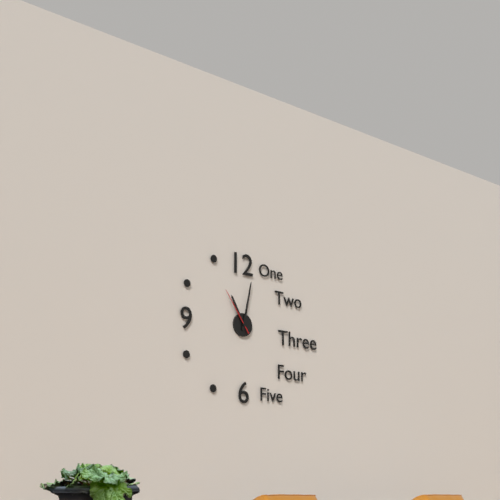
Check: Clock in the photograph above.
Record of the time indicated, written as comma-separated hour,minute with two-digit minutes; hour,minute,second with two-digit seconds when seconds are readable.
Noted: 11,02
